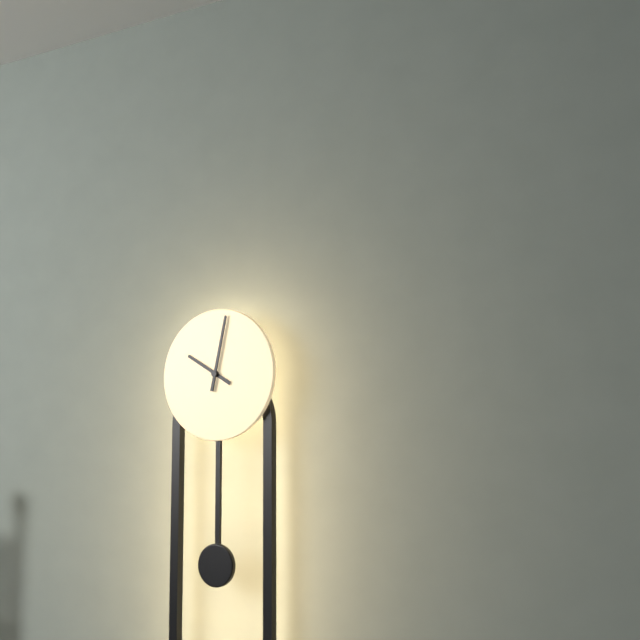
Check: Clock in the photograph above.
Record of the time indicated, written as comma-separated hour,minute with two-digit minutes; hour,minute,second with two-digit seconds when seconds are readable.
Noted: 10,02
